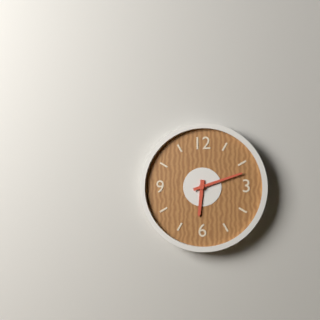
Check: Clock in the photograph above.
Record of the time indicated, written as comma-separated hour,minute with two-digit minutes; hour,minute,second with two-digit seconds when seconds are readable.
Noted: 6,12
